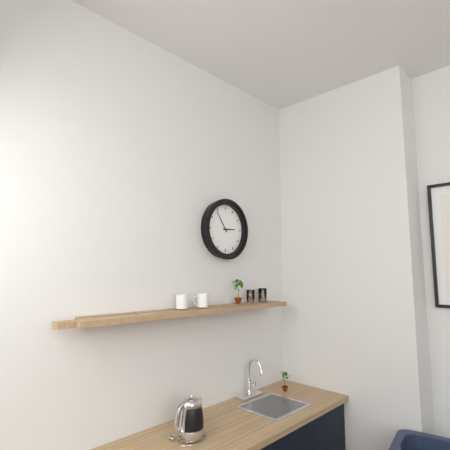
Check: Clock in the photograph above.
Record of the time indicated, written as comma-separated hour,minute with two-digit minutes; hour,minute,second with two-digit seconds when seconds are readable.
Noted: 2,54
